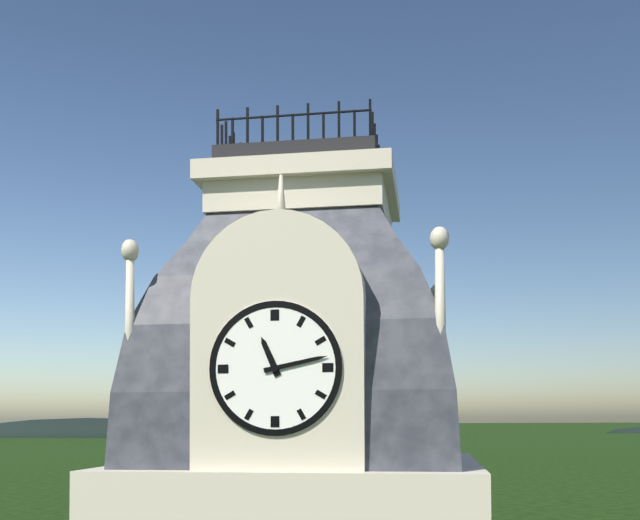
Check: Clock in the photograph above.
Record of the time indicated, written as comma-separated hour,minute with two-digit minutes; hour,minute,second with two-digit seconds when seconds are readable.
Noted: 11,13
